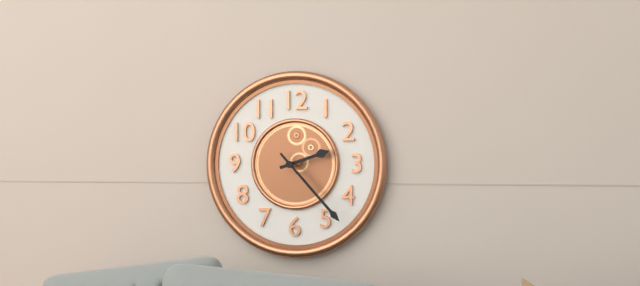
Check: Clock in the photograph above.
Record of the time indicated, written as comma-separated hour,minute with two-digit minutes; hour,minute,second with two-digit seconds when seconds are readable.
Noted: 2,23
